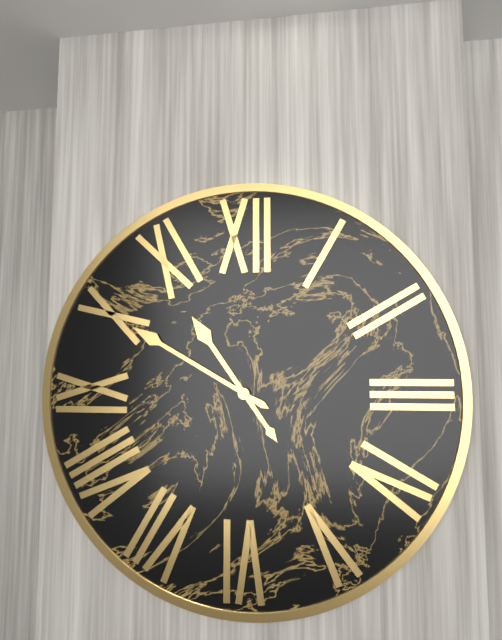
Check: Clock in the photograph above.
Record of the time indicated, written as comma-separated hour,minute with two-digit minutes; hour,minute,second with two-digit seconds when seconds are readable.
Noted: 10,50
